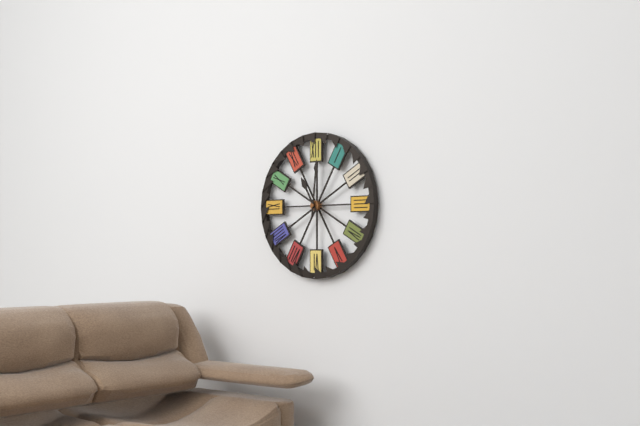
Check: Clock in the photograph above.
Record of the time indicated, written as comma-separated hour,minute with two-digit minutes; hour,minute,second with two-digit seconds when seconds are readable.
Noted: 11,01
